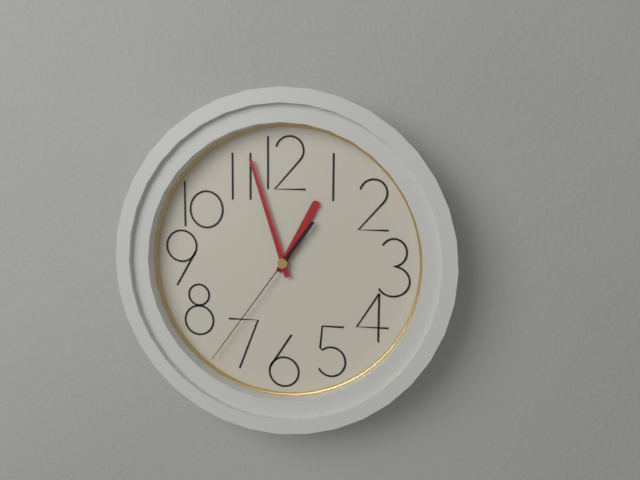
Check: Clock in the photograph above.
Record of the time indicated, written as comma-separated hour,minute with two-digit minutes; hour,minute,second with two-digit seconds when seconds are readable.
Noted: 12,57,36
